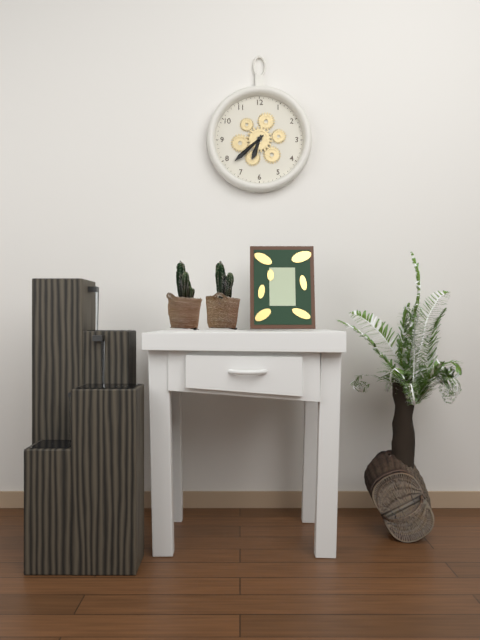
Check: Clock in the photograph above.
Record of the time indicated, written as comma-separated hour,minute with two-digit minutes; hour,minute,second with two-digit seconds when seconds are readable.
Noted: 6,38
